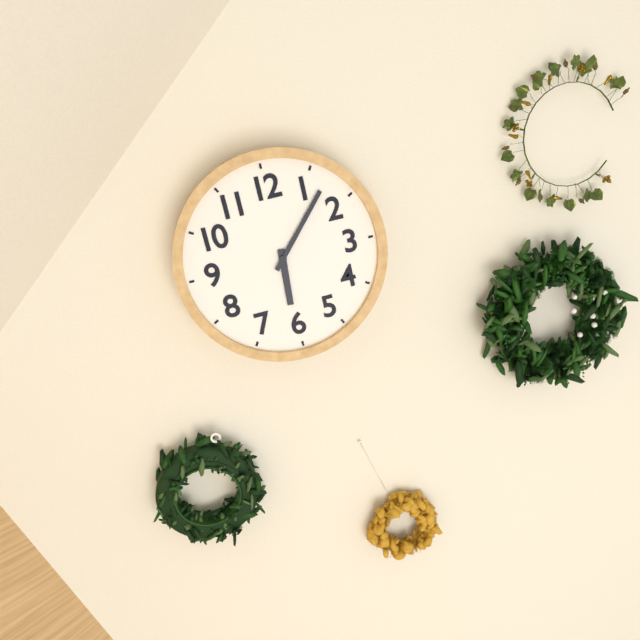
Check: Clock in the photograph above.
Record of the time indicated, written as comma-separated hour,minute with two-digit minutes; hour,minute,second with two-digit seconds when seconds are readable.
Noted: 6,07
